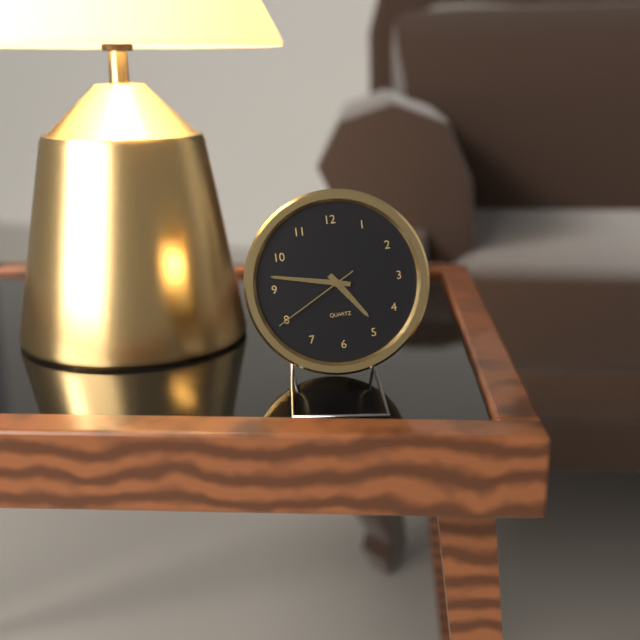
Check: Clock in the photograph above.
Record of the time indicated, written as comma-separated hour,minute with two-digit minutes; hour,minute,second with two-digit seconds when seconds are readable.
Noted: 4,47,40
